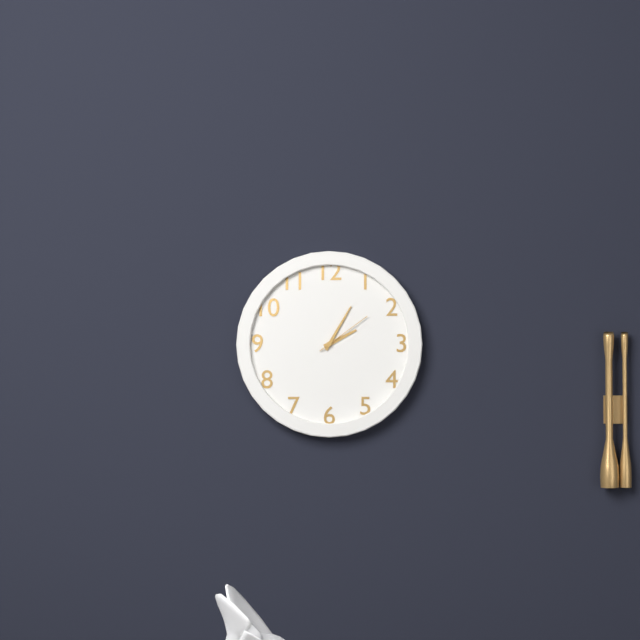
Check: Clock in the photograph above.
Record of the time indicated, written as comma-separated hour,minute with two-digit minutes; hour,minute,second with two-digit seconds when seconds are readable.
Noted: 2,05,09
